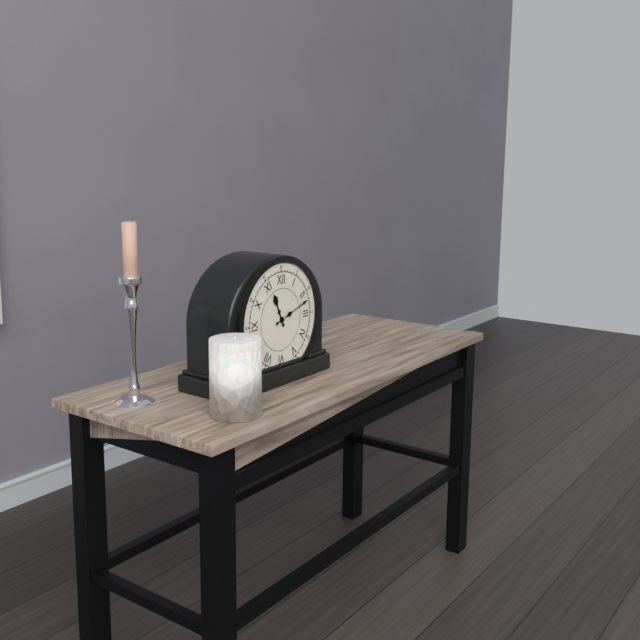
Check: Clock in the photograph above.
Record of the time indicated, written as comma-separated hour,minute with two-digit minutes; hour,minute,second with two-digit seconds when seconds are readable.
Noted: 11,12
